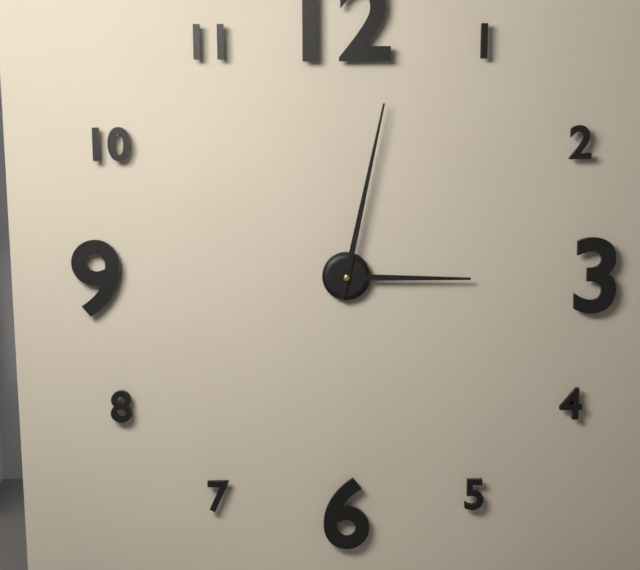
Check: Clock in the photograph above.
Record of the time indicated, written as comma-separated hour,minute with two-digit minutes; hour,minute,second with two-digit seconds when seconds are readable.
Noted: 3,02
